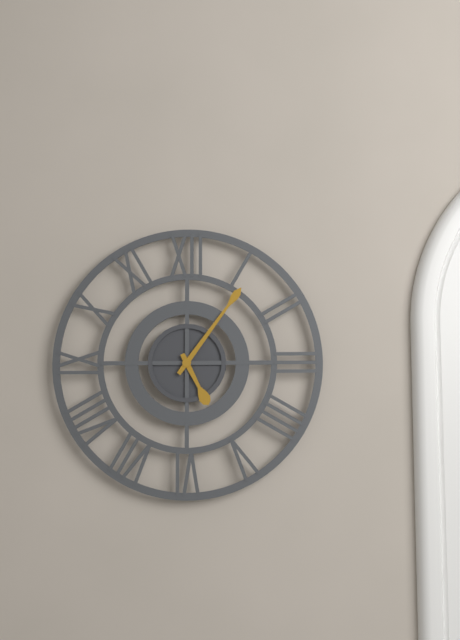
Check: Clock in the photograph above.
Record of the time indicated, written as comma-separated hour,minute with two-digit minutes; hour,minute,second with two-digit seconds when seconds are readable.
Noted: 5,06
